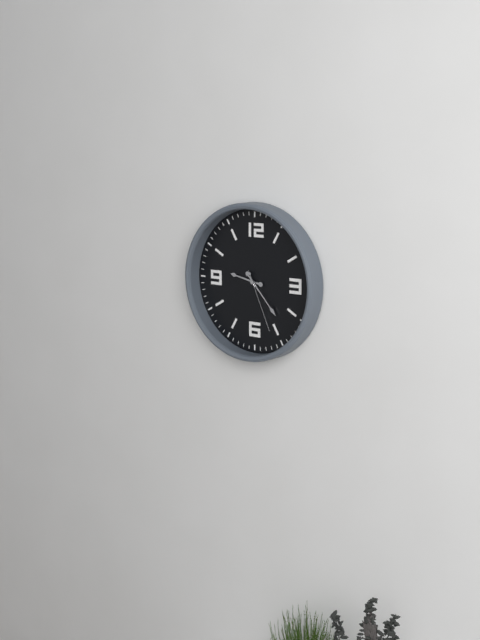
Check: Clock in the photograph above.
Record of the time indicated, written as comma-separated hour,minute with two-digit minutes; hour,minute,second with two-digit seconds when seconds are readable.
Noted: 9,23,26
